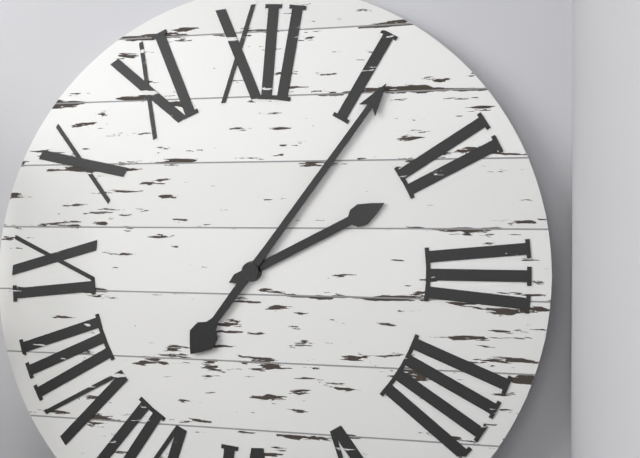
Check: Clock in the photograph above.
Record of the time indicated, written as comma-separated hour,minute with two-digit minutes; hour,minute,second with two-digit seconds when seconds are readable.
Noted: 2,06
